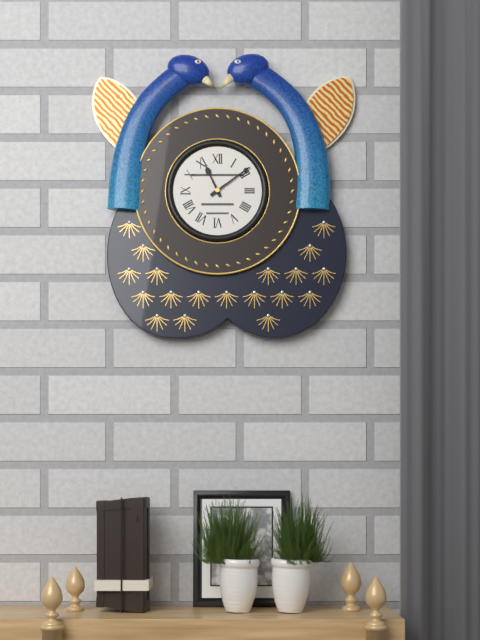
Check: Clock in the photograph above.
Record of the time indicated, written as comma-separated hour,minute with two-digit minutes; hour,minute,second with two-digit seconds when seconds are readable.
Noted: 11,09
